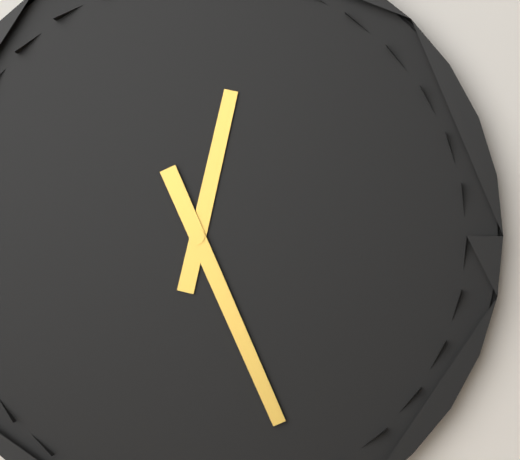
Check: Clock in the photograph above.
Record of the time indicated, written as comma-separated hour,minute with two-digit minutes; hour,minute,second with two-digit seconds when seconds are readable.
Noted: 12,26
